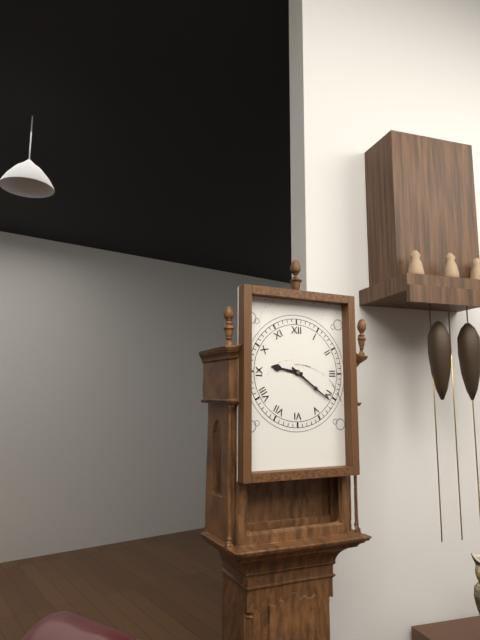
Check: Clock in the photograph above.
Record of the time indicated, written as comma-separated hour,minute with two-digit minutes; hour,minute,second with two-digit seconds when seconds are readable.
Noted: 9,21
